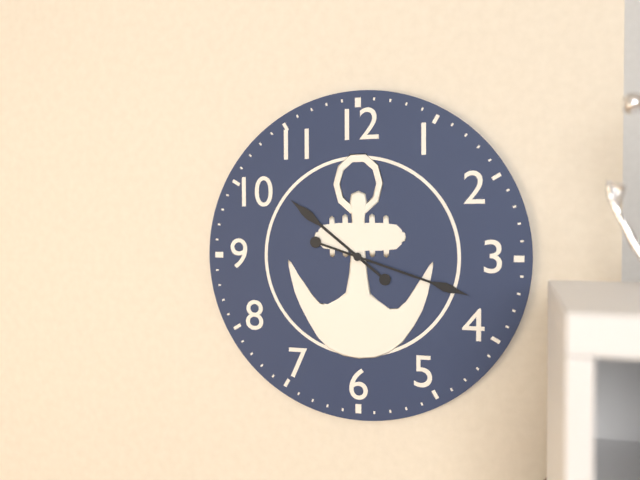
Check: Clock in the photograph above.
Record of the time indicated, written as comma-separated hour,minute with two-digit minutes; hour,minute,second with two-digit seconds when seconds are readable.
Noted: 10,18
